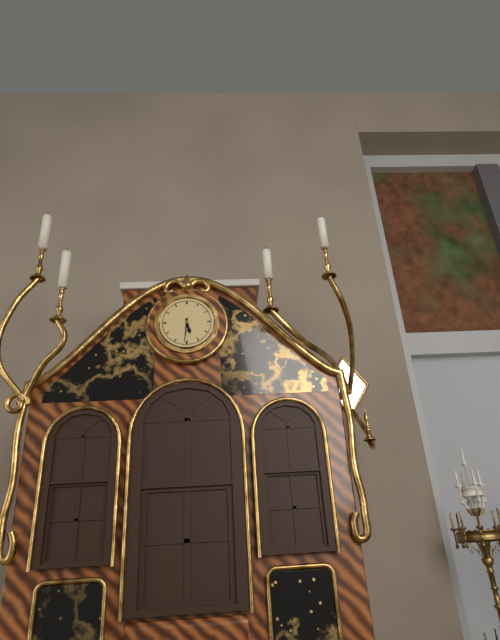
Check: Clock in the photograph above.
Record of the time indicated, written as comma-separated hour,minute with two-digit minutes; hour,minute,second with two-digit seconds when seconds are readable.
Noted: 5,31
